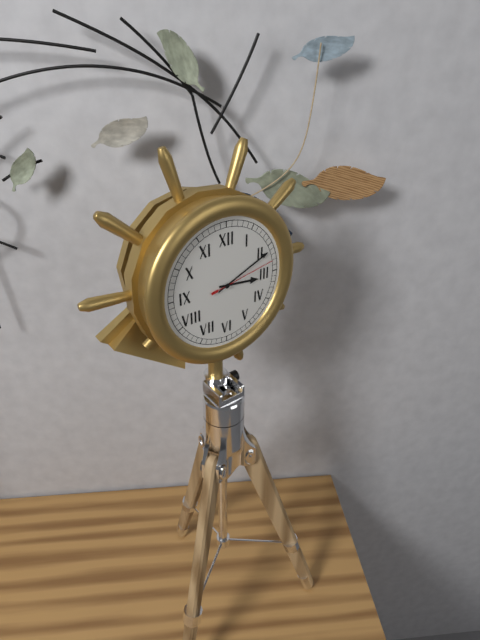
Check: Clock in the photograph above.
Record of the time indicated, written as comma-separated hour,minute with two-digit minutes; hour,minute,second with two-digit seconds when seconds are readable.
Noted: 3,11,13
